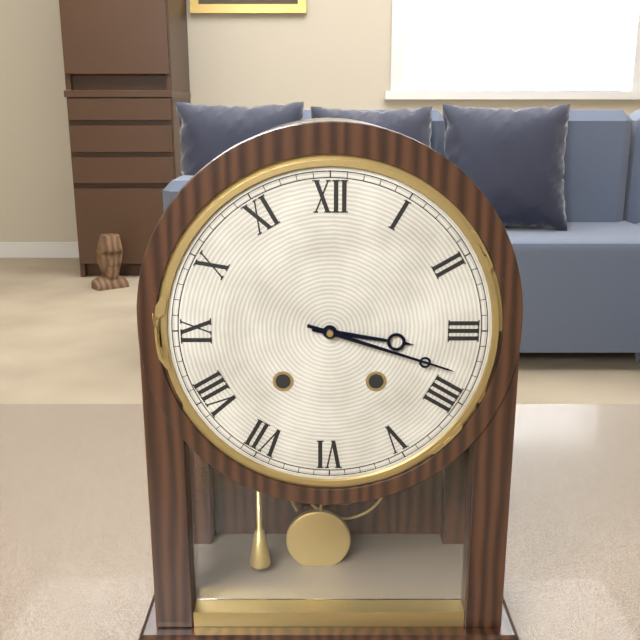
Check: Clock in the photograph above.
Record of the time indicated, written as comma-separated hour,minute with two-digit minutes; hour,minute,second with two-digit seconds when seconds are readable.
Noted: 3,18
